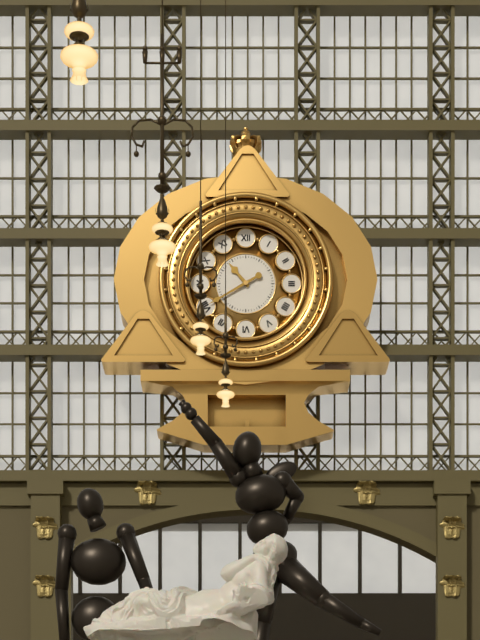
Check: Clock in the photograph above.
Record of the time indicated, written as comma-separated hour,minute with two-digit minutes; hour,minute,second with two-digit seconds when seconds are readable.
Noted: 10,40
